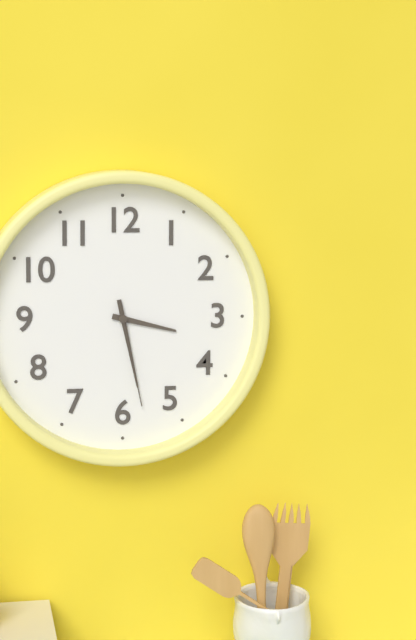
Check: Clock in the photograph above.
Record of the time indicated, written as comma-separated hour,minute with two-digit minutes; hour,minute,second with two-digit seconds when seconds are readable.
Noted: 3,28,28
